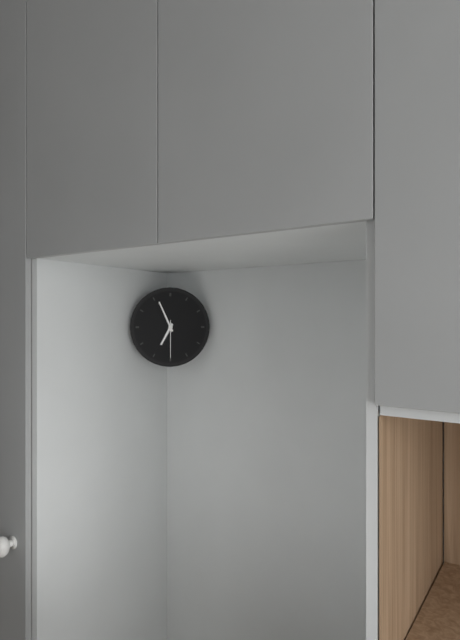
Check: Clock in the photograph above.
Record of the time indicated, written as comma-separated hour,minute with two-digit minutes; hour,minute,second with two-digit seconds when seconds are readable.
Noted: 6,56
